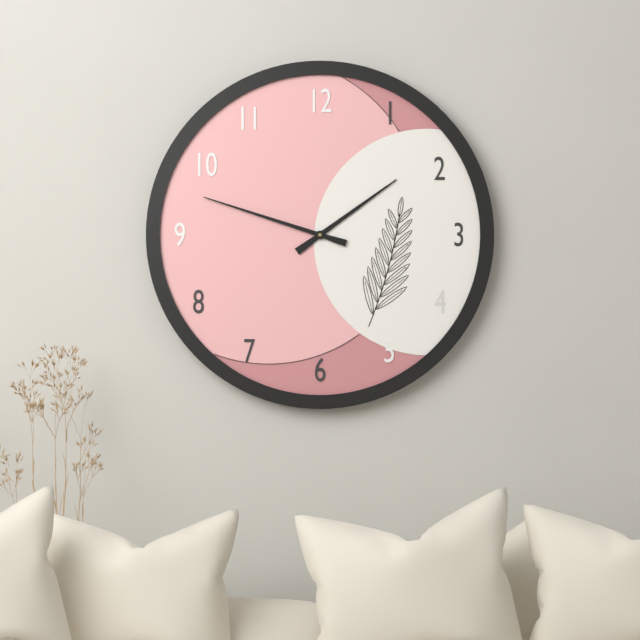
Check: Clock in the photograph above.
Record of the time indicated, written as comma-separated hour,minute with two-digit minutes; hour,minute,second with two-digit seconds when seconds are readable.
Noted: 1,48
